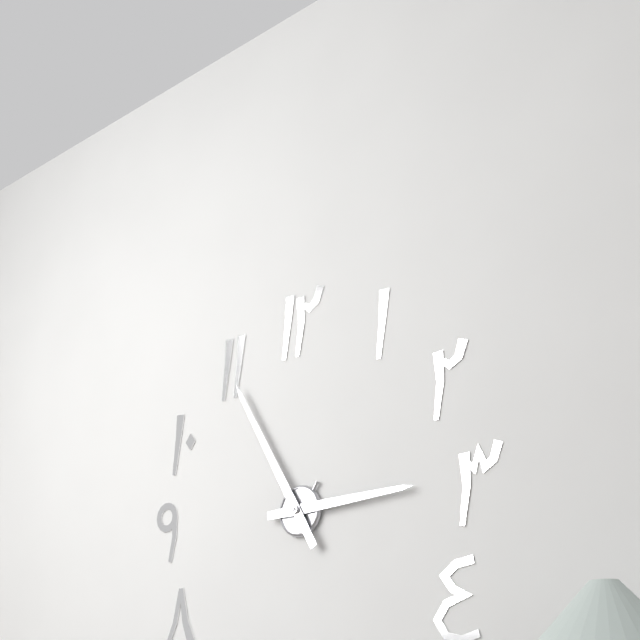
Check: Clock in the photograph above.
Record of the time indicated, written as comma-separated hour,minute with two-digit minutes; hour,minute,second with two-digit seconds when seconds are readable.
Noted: 2,55
